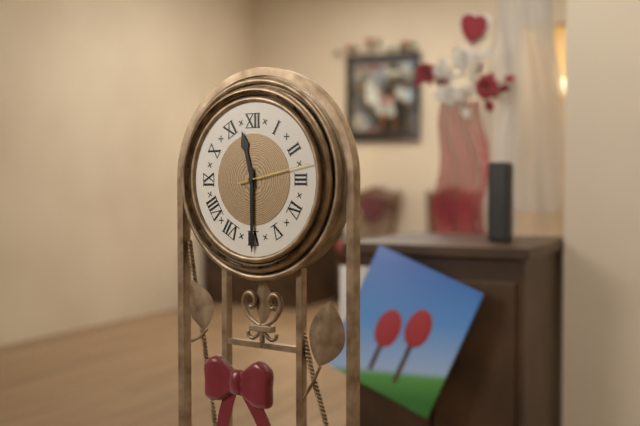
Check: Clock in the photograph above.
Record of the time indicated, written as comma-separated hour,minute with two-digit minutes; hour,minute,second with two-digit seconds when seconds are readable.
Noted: 11,30,13
